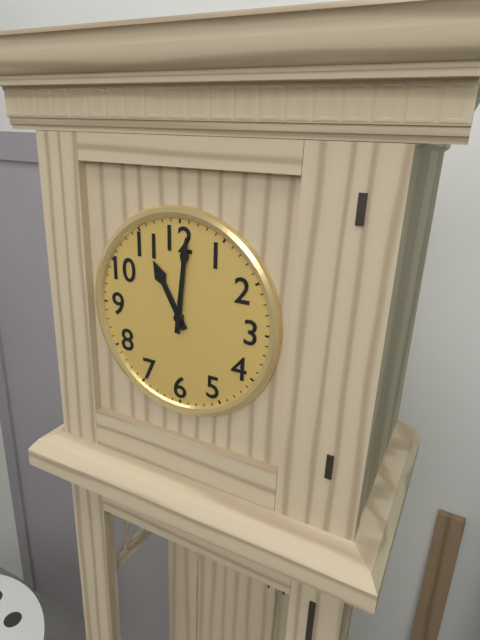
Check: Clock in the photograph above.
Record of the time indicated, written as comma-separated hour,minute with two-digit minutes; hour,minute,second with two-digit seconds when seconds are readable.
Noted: 11,01
